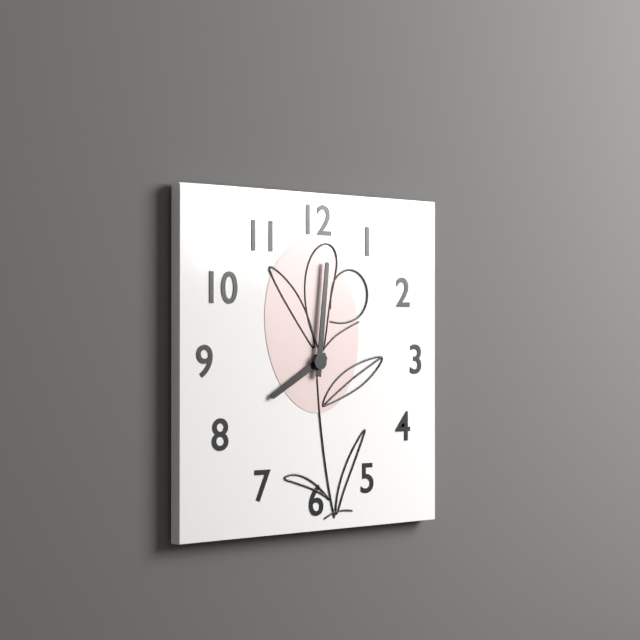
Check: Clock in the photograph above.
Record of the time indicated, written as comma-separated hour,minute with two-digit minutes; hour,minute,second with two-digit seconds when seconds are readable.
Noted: 8,01
